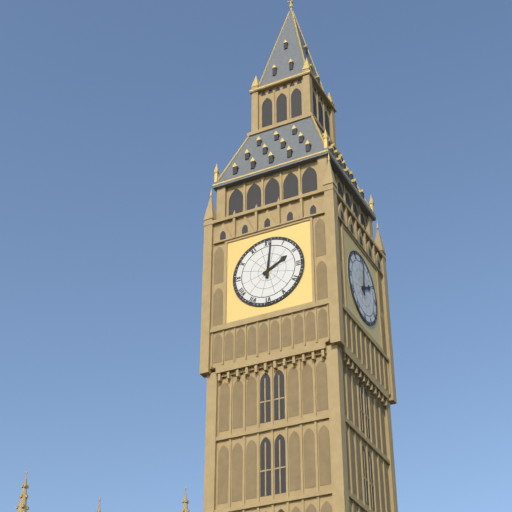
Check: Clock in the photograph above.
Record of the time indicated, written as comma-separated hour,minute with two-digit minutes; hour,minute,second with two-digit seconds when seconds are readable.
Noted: 2,01
